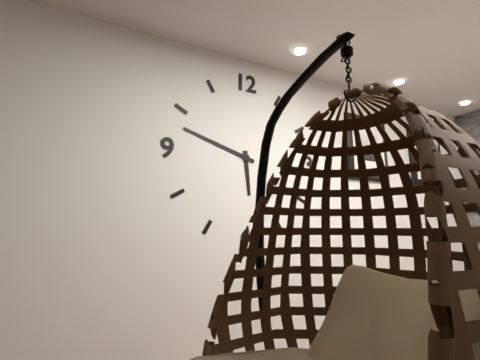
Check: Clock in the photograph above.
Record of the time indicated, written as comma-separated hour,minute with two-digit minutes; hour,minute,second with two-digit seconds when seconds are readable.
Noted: 5,48
